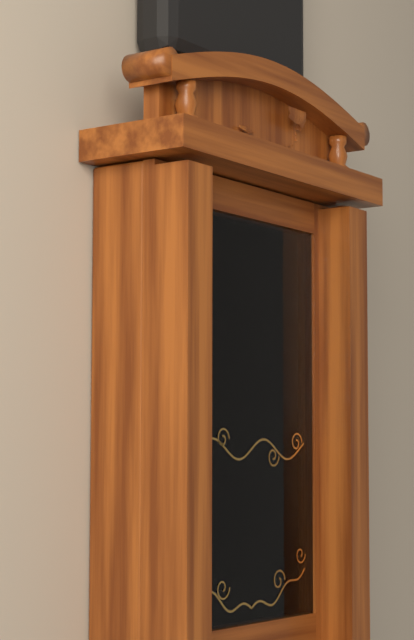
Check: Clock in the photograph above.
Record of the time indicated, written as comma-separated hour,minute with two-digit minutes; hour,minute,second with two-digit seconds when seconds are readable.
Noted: 9,20,12
